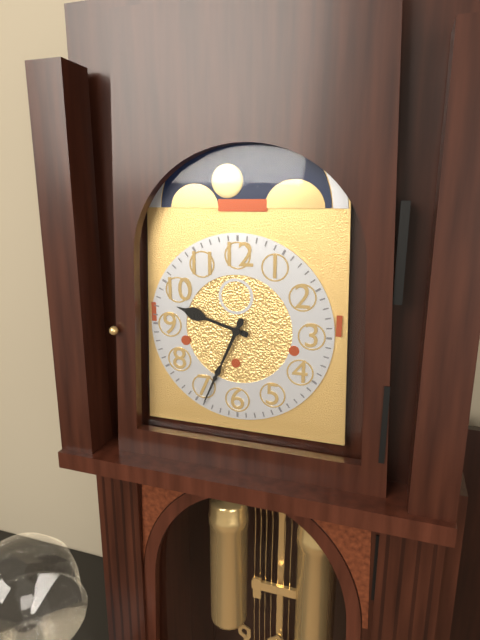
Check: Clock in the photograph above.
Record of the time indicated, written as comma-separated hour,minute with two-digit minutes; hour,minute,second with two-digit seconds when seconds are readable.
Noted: 9,34
